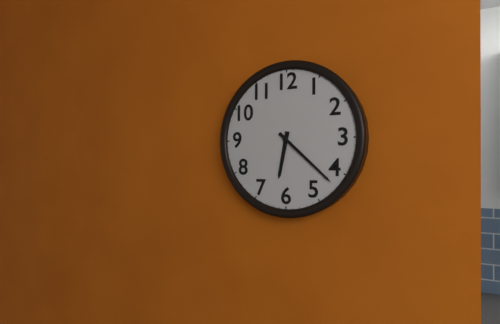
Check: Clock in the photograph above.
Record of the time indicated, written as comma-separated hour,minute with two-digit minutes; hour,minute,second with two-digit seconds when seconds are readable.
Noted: 6,22
